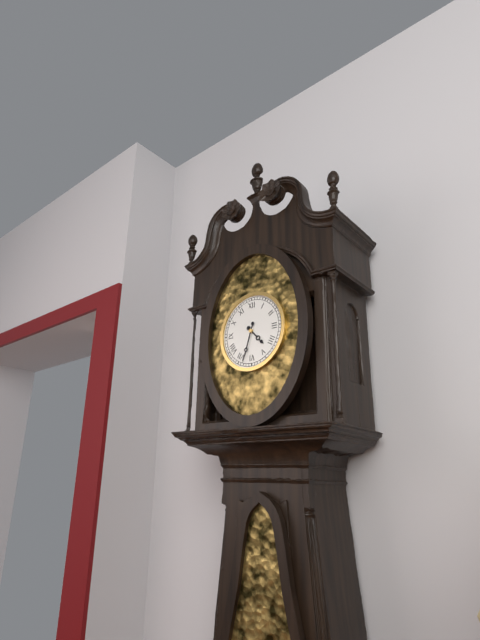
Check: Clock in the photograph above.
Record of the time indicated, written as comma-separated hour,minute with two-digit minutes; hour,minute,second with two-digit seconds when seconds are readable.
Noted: 4,33
